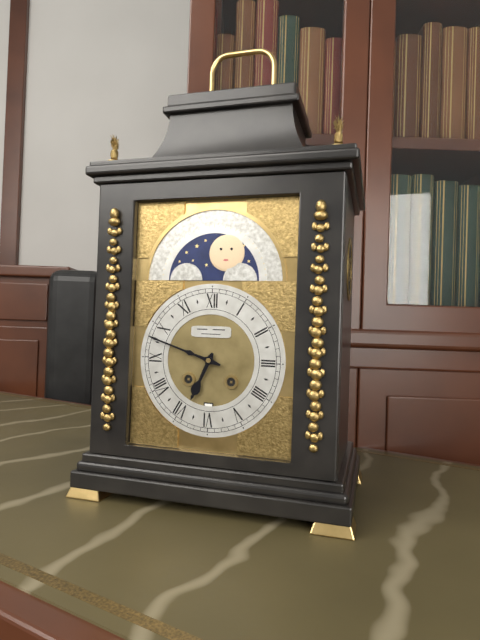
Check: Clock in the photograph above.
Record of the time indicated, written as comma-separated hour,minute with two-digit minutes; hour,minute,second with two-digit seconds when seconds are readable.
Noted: 6,48
